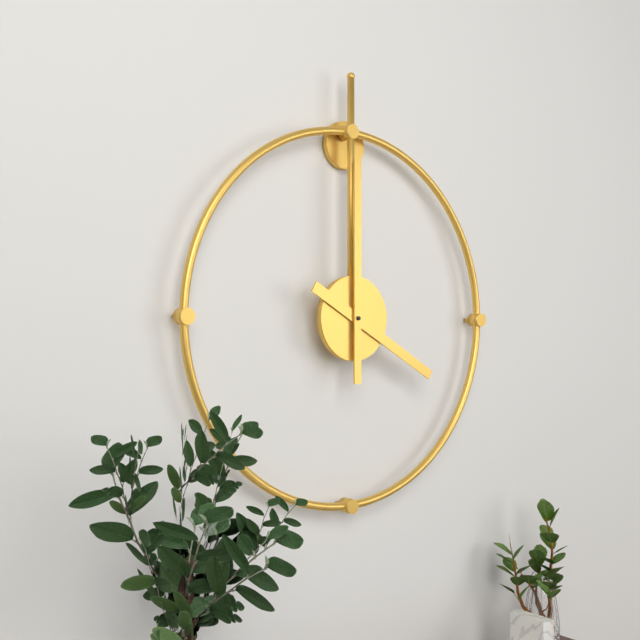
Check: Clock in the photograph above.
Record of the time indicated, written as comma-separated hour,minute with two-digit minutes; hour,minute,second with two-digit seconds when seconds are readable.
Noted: 4,00
